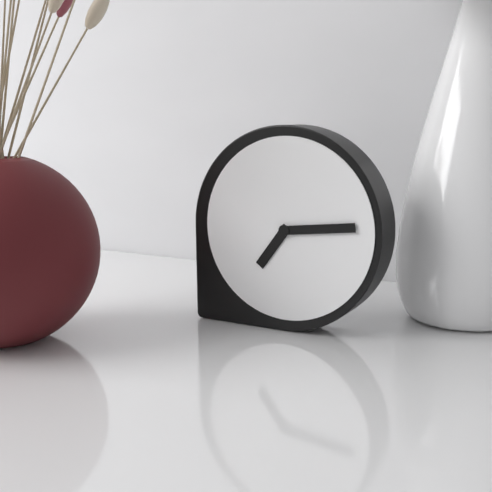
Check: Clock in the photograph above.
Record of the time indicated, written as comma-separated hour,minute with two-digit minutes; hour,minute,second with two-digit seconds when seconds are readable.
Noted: 7,14
